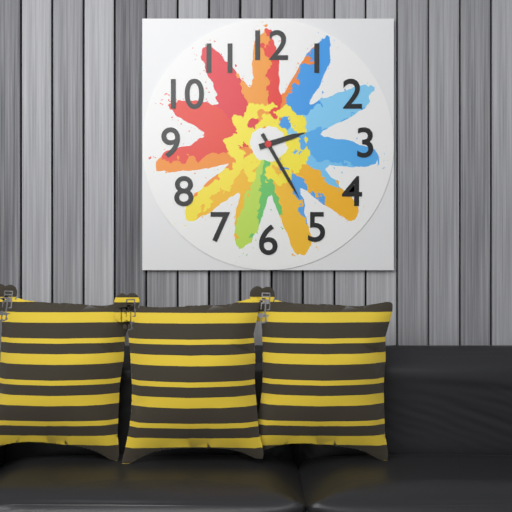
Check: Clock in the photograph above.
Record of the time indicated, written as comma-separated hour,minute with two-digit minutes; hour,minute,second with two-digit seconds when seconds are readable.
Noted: 2,25
